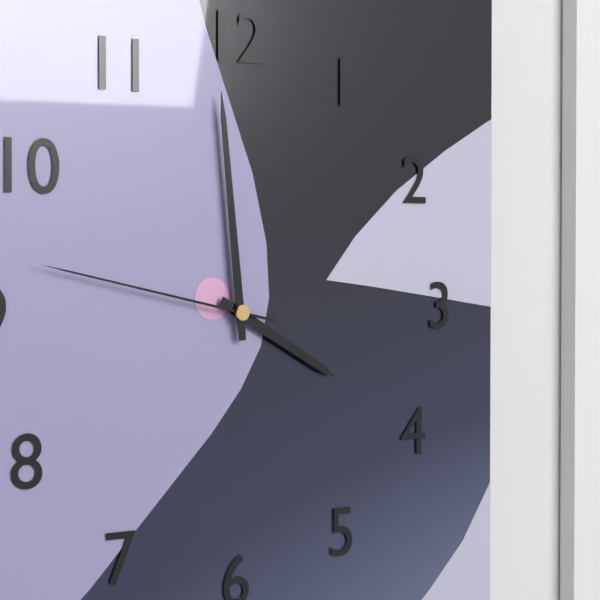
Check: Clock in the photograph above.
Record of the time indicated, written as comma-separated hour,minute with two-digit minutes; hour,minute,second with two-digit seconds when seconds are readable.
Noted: 3,59,47
